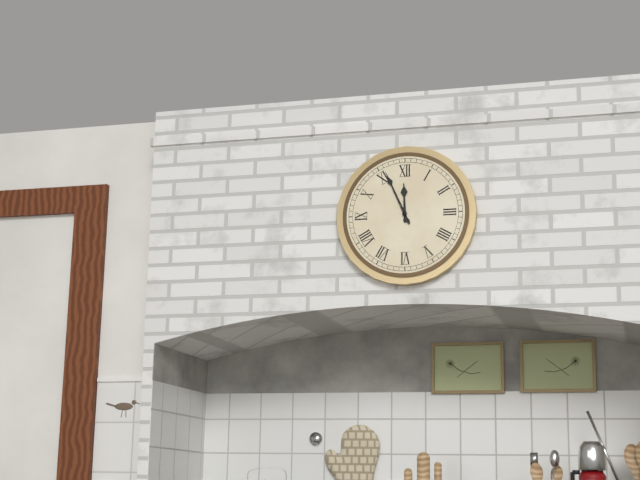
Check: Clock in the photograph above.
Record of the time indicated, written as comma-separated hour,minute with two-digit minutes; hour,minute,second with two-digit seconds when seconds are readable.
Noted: 11,56
